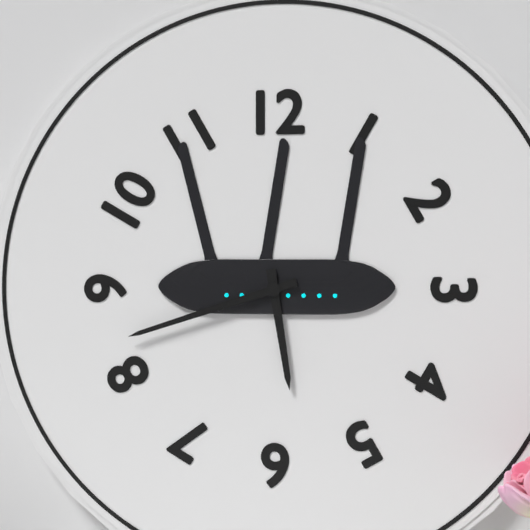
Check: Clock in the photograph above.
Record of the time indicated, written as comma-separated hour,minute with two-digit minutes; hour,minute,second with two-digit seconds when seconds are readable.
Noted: 5,42
